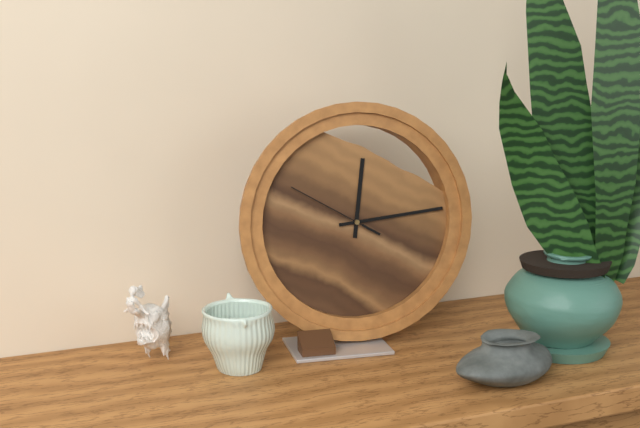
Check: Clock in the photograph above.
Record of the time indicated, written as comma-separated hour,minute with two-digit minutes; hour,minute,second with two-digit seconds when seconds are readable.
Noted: 12,14,50
